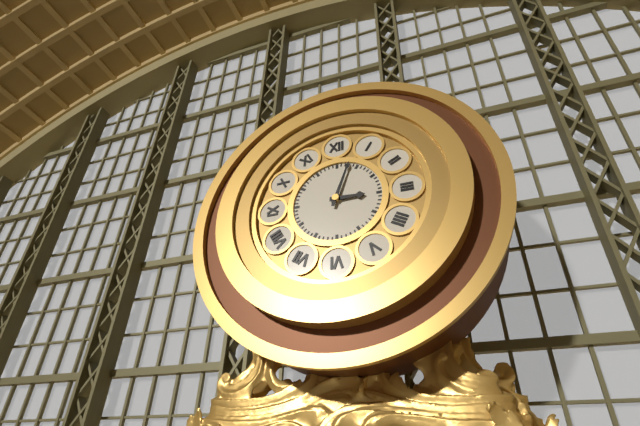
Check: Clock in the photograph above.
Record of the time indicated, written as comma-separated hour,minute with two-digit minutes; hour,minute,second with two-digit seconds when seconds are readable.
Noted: 3,03
